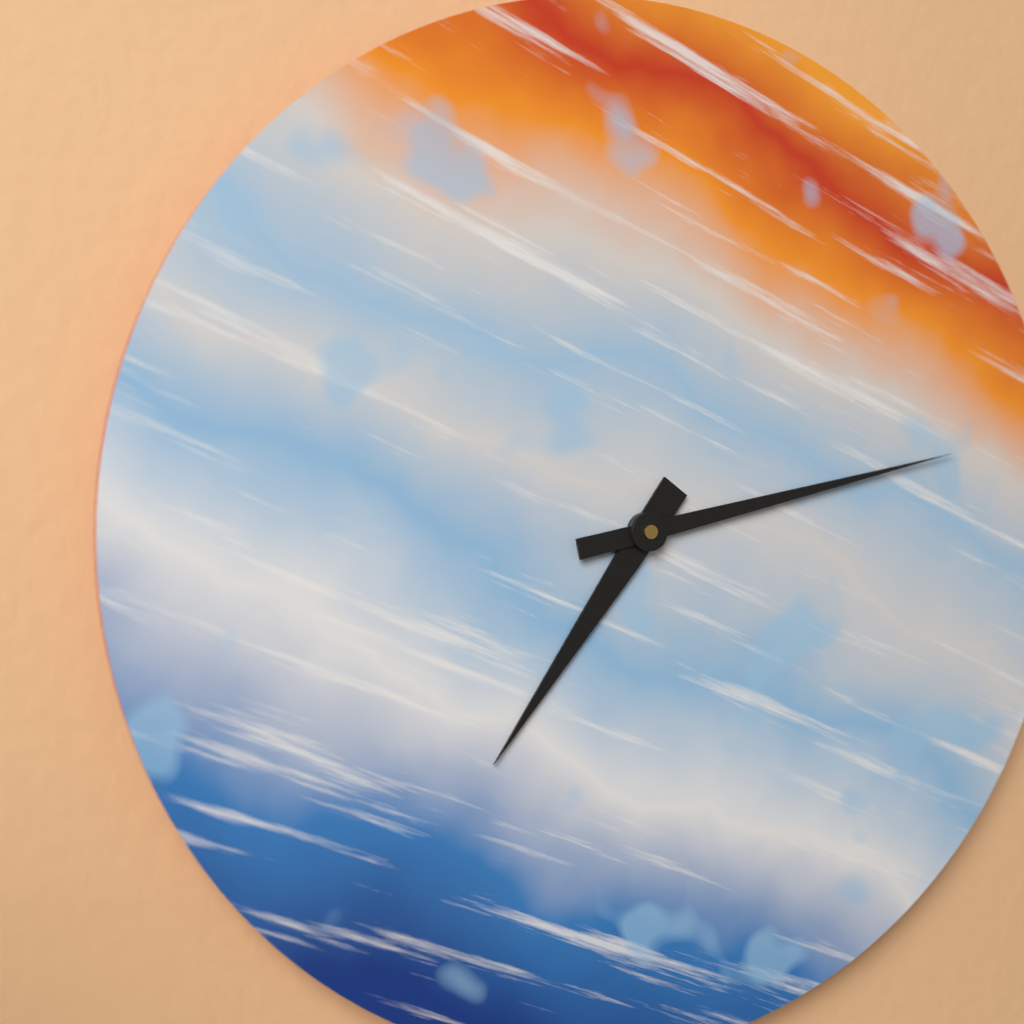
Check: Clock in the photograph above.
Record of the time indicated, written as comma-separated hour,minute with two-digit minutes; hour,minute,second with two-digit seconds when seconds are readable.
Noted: 7,13
